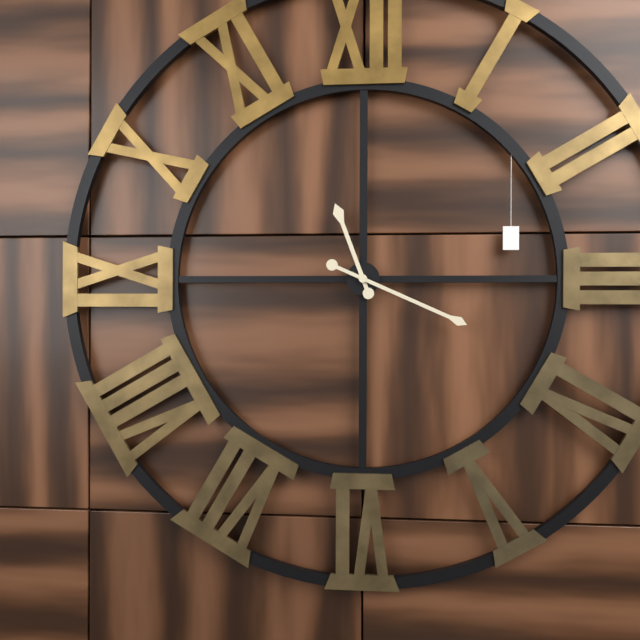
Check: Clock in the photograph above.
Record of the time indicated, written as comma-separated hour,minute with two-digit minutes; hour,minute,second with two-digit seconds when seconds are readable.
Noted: 11,19
